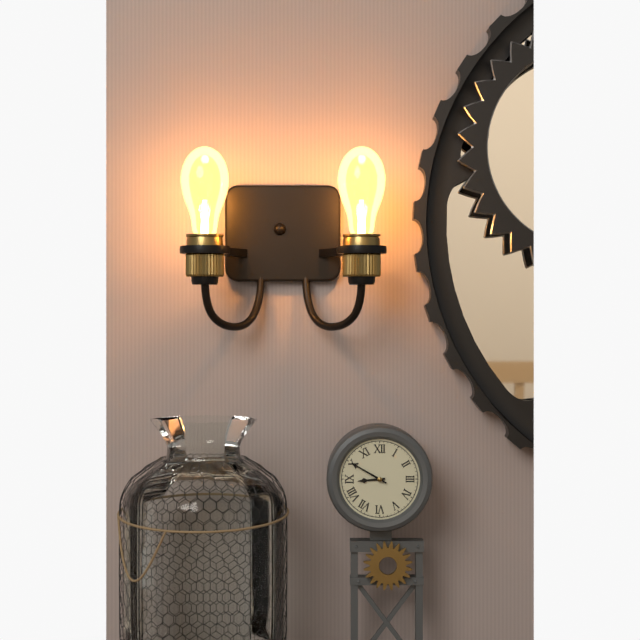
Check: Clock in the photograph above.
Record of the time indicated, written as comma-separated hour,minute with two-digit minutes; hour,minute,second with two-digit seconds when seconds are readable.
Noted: 8,50
